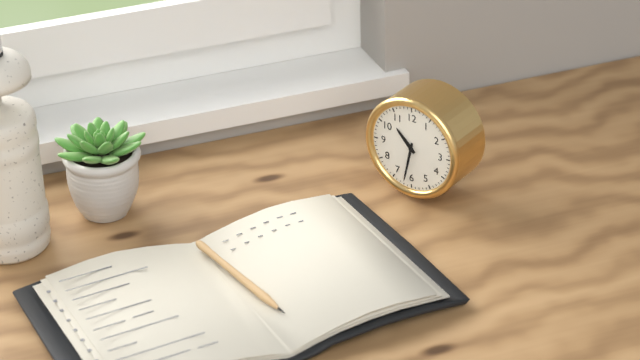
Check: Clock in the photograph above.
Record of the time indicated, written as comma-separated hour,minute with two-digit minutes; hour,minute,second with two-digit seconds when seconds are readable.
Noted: 10,32
